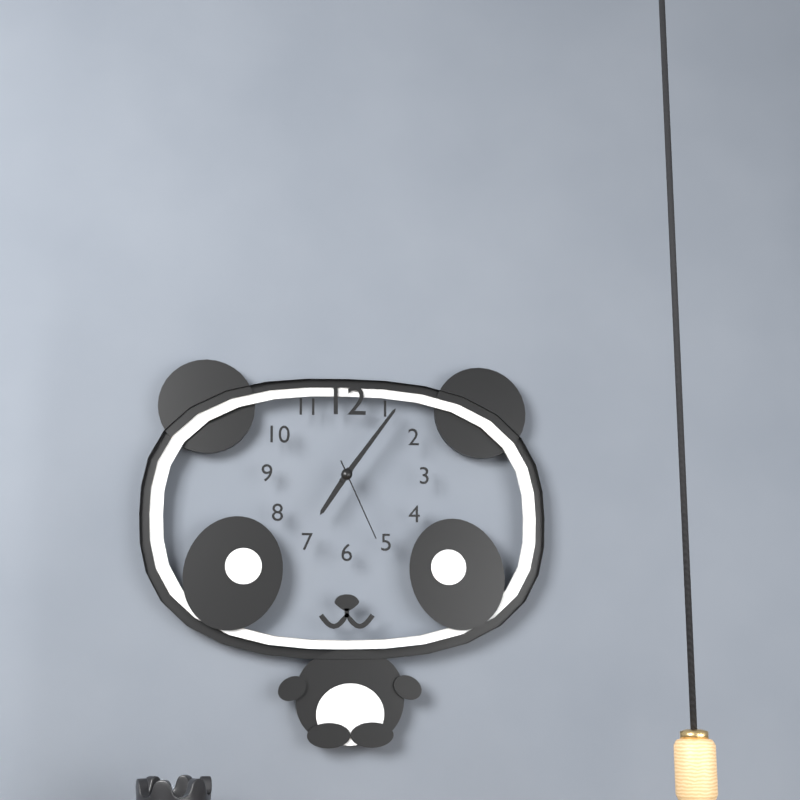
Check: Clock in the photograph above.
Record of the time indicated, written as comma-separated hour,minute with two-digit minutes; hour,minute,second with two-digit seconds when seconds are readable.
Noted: 7,06,26
